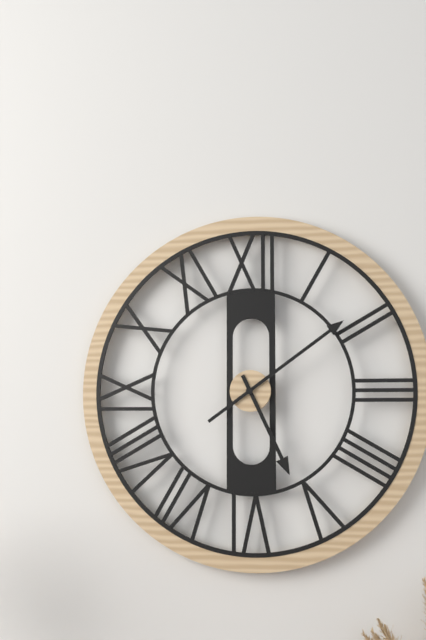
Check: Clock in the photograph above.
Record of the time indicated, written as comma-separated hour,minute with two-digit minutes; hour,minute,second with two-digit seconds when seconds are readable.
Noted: 5,09
